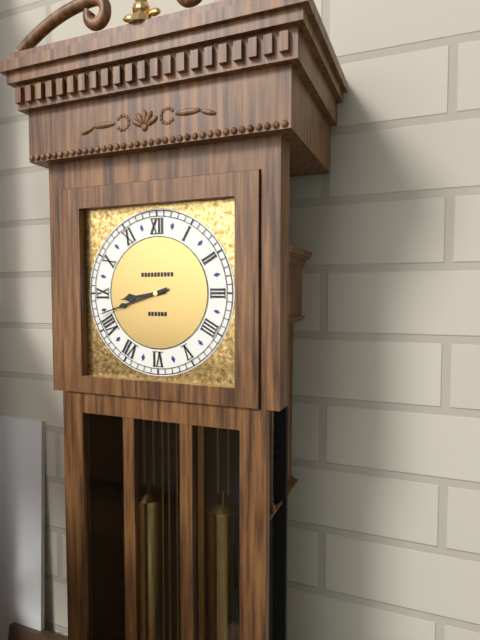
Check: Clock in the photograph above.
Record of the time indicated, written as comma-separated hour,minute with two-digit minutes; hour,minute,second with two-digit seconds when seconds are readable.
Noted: 8,42
